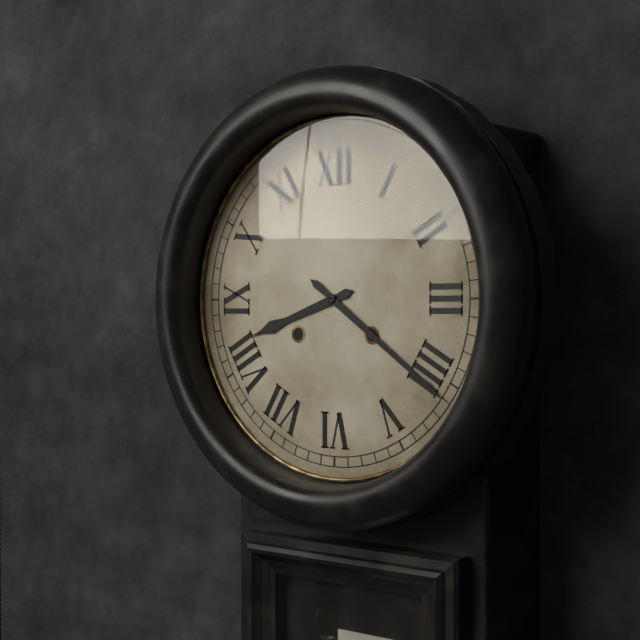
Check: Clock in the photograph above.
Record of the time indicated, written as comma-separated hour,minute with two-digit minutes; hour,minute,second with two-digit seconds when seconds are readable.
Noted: 8,21
